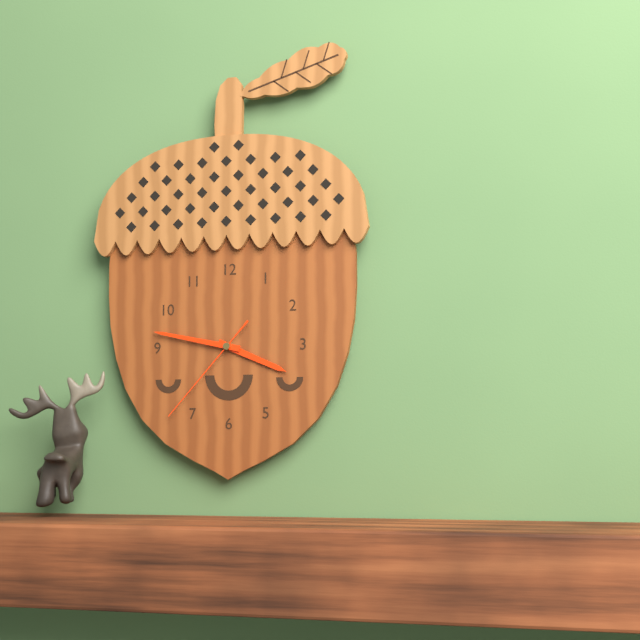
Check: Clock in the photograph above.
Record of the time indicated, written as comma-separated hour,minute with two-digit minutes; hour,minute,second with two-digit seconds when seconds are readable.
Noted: 3,47,37
